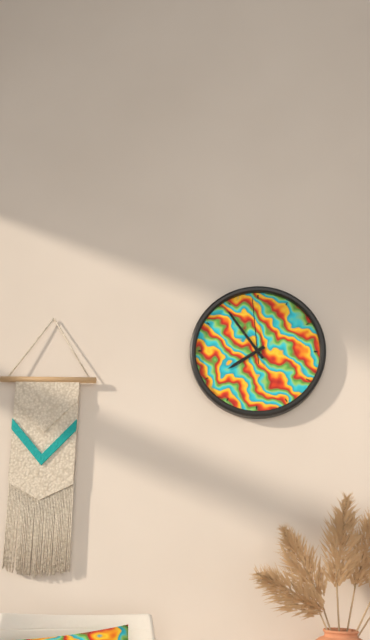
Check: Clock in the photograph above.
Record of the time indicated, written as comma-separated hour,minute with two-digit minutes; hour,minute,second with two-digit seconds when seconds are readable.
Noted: 7,54,59
